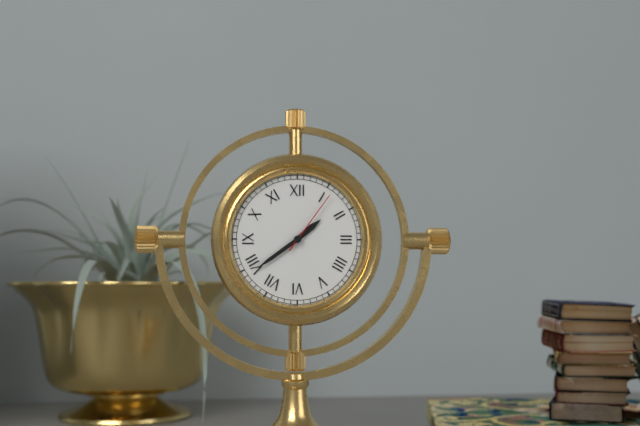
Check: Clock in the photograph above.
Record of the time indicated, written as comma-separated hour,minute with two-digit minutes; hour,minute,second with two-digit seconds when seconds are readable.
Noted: 1,39,06
